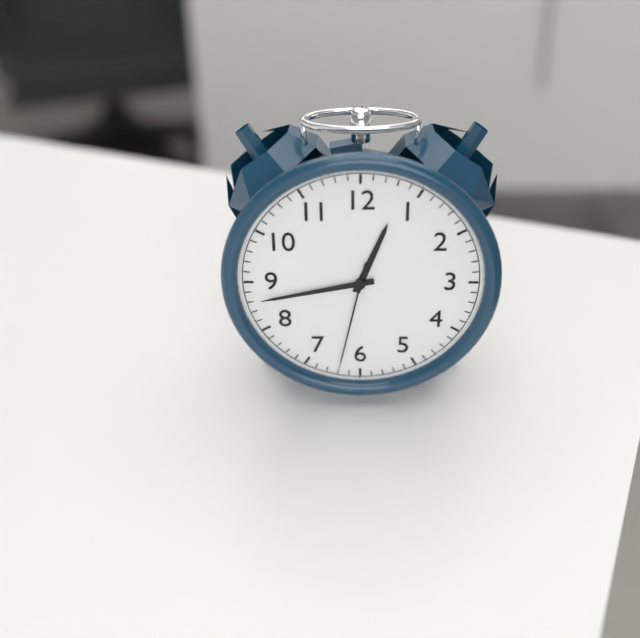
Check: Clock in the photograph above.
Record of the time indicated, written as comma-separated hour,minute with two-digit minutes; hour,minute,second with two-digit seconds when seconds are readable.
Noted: 12,43,32
